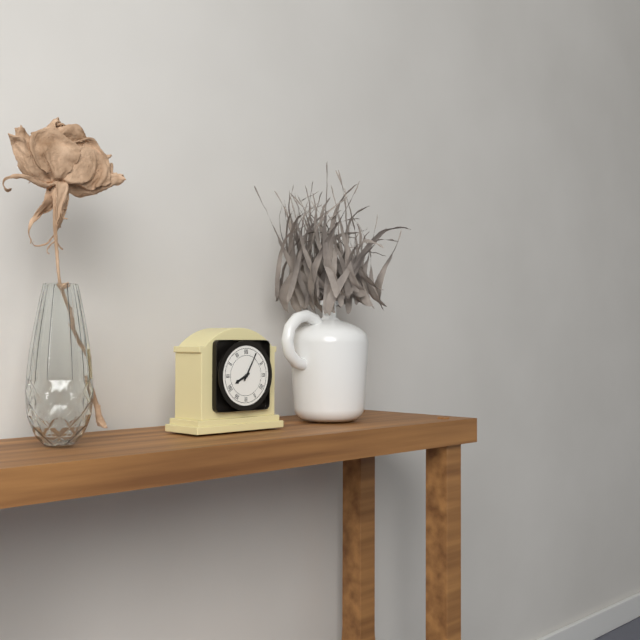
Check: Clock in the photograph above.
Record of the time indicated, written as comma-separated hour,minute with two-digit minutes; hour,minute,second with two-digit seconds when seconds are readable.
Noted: 8,05
